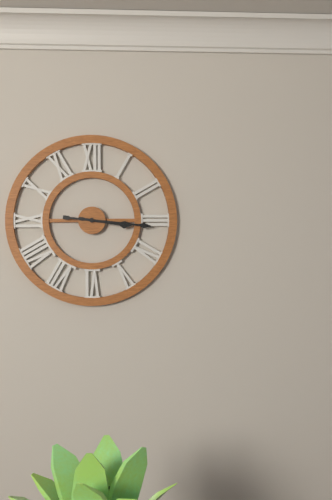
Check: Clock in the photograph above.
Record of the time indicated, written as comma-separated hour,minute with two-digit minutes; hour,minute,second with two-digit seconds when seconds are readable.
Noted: 3,16
